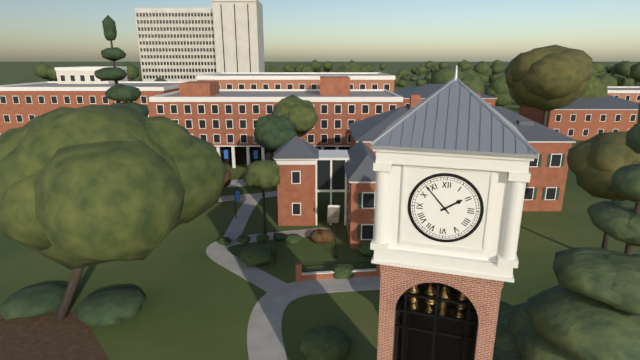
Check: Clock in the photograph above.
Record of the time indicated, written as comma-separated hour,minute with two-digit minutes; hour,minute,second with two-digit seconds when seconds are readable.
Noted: 1,53
